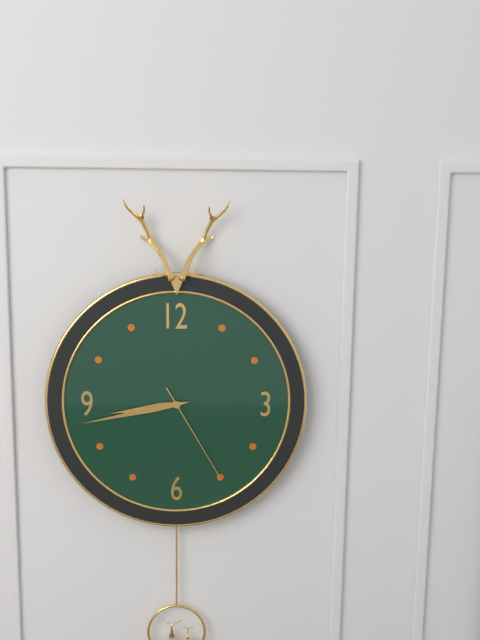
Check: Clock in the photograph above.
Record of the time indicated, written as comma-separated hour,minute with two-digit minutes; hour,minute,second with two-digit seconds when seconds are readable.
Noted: 8,43,25
